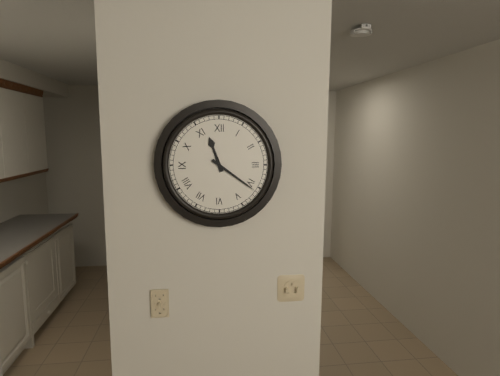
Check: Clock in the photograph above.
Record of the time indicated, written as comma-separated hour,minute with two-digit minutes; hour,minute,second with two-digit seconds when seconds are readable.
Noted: 11,21
